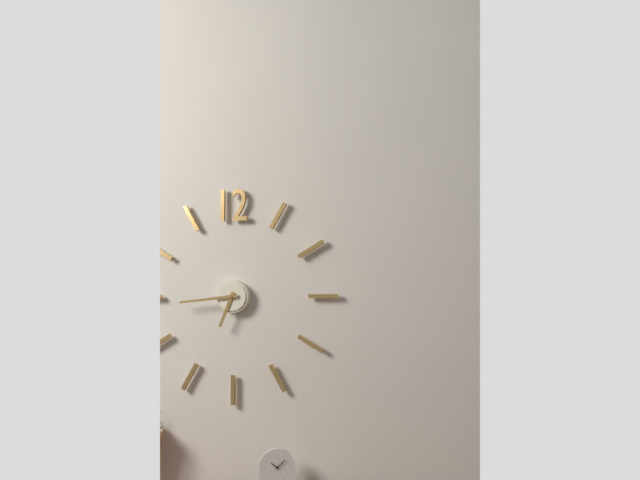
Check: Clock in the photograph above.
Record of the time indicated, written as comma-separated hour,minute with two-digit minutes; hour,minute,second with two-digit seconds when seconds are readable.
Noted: 6,44
